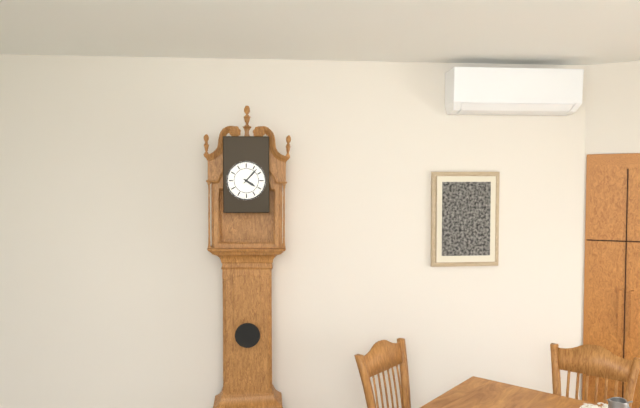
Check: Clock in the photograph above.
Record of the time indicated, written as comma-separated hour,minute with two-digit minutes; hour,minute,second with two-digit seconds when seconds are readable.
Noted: 4,07
